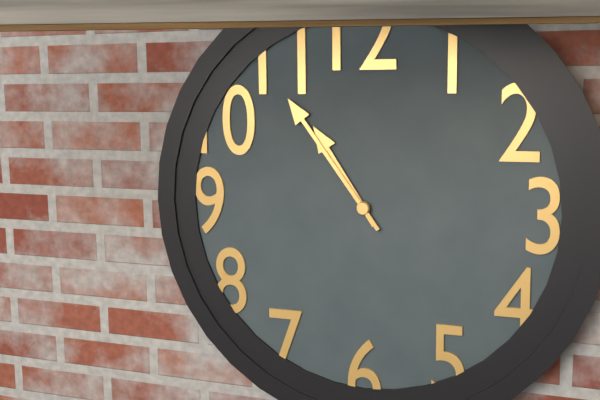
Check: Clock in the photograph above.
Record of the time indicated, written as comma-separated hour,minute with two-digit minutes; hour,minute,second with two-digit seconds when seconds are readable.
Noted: 10,54
